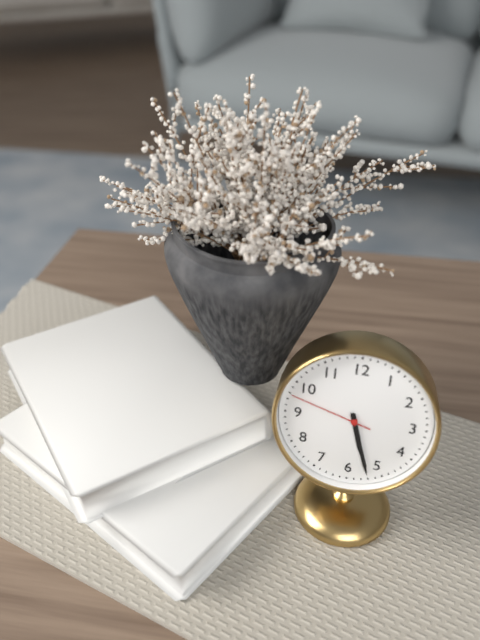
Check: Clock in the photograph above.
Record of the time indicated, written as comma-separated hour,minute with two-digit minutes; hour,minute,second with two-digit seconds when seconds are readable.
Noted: 5,27,48
